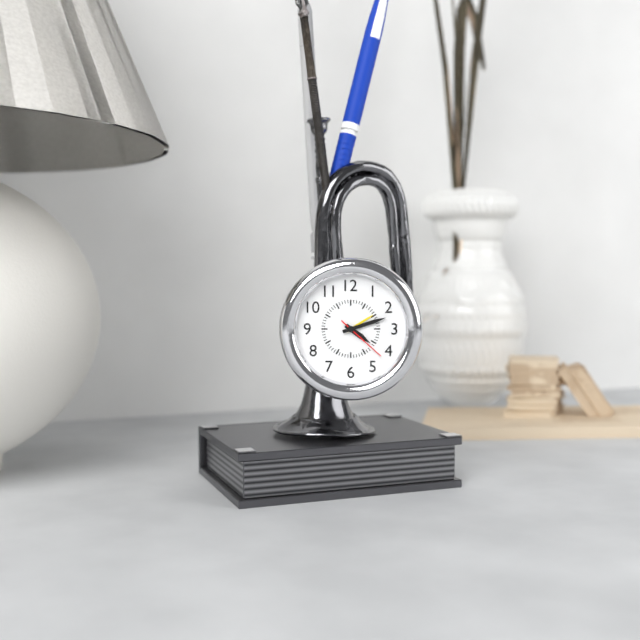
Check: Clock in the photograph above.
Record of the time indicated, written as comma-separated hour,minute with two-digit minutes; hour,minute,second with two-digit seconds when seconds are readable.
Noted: 4,12,22
